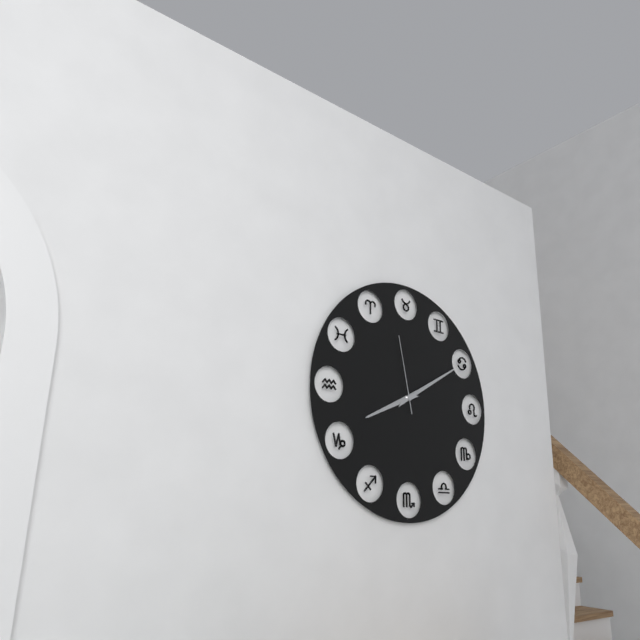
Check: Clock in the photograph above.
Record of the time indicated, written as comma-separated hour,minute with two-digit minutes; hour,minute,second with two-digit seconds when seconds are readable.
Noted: 8,10,58
